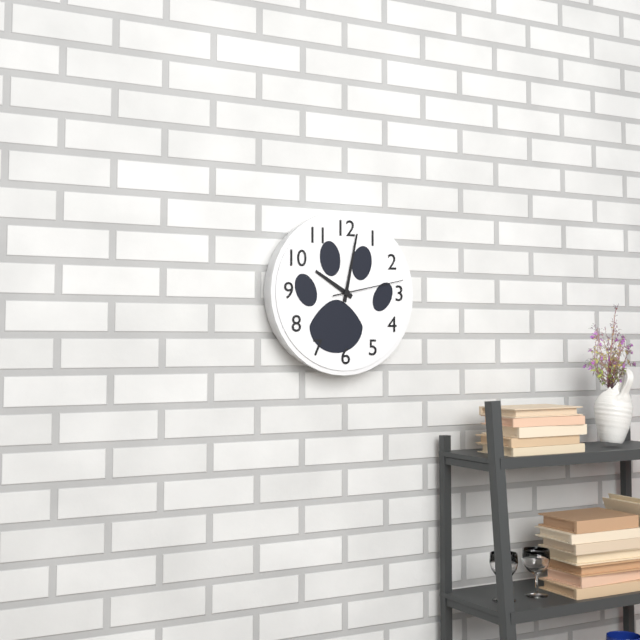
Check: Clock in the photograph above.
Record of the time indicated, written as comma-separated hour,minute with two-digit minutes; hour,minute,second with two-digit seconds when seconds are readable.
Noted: 10,02,13
